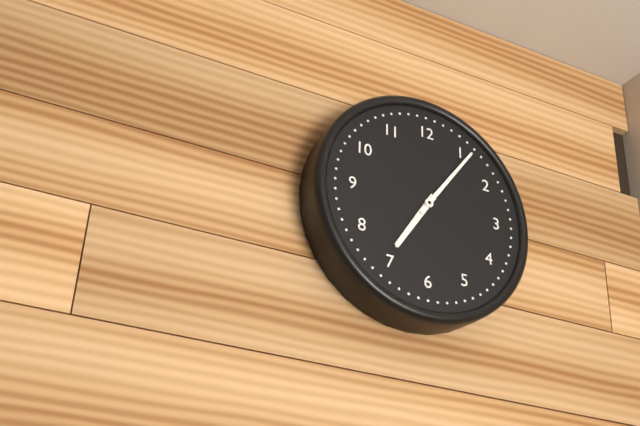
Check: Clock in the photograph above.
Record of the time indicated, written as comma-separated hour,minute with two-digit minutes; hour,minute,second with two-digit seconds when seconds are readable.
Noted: 7,06
